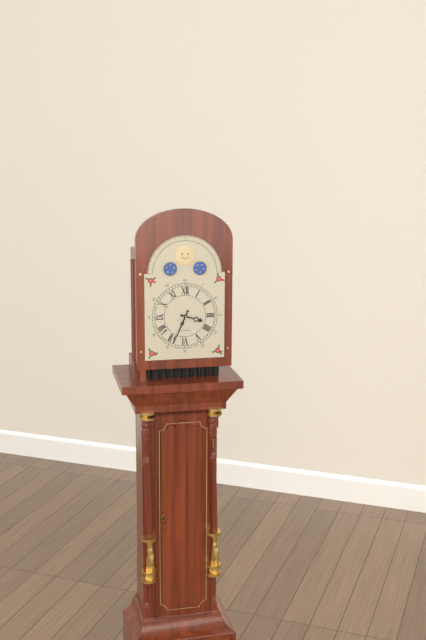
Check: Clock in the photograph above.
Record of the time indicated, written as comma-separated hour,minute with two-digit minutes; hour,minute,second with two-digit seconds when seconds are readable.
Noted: 3,34
